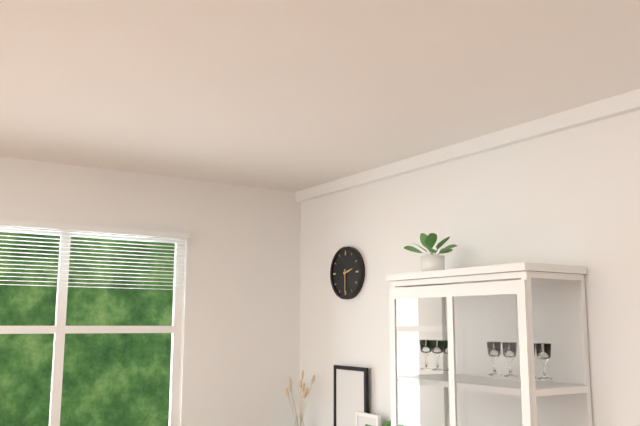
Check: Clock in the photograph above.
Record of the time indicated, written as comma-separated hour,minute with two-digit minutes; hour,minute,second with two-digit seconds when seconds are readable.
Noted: 2,30
